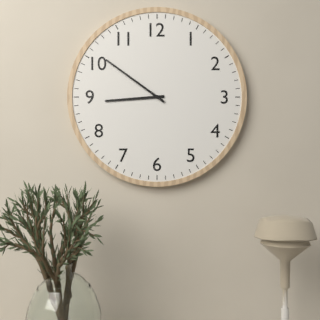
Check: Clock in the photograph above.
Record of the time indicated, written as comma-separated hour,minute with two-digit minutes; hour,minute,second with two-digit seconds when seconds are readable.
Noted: 8,51
